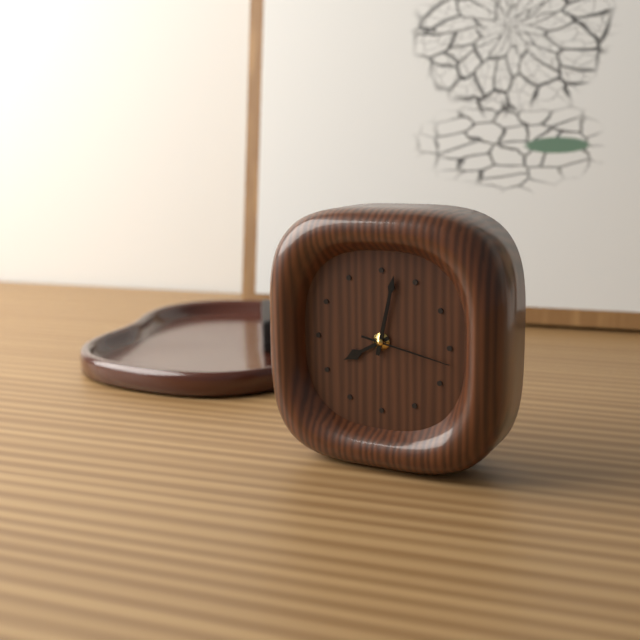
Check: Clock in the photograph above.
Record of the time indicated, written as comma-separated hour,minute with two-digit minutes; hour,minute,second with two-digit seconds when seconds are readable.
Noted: 8,02,17
